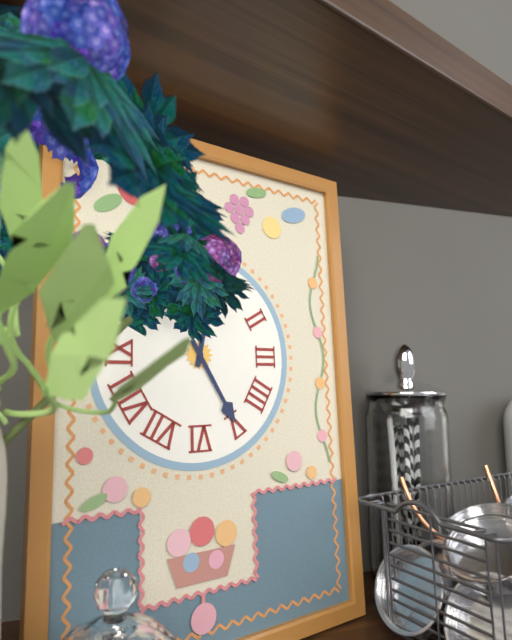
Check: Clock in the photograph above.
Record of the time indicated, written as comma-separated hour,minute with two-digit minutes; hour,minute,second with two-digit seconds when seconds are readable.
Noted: 12,25
